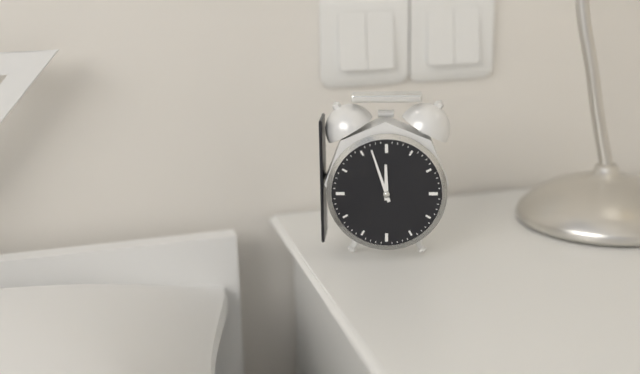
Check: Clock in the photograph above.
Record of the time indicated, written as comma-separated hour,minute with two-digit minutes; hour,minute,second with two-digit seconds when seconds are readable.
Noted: 11,57
